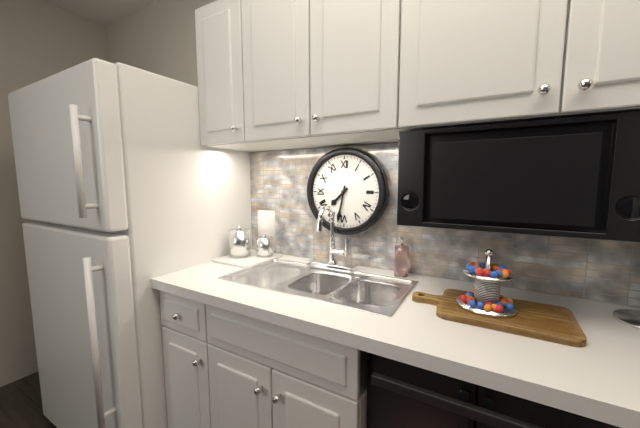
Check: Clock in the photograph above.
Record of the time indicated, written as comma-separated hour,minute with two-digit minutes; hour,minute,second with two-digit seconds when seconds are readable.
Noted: 7,32
